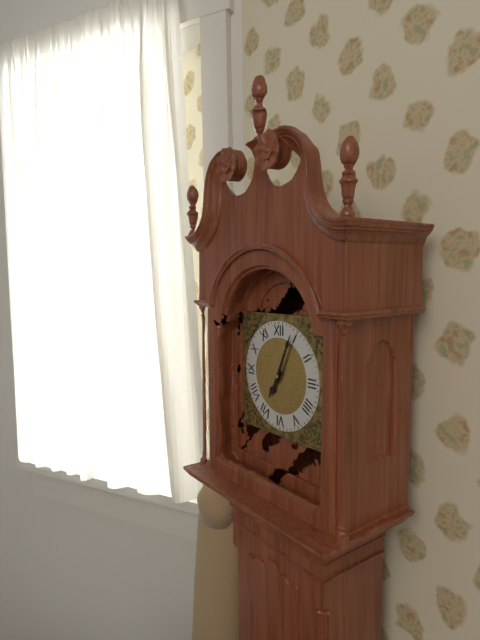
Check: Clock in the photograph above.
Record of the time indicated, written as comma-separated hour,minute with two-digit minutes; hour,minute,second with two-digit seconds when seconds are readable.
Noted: 7,04
